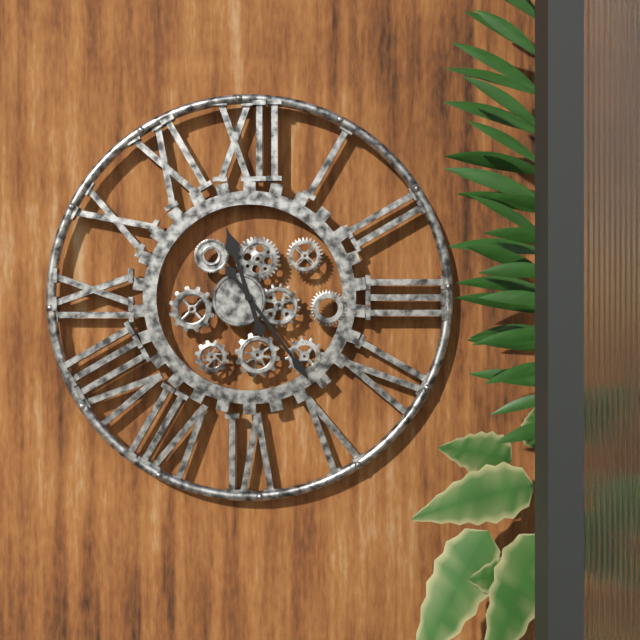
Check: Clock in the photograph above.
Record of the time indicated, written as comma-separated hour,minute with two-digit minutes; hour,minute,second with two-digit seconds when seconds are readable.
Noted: 11,24
